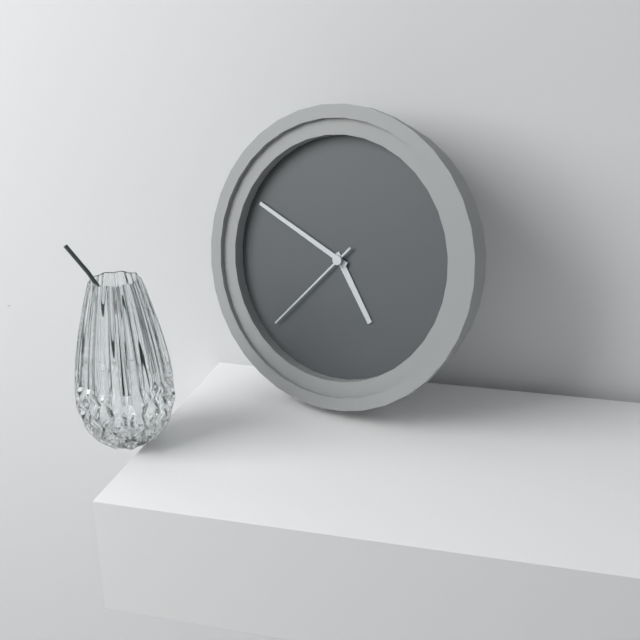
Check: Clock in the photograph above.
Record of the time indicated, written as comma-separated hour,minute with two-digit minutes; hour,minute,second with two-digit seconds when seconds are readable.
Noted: 4,49,37
